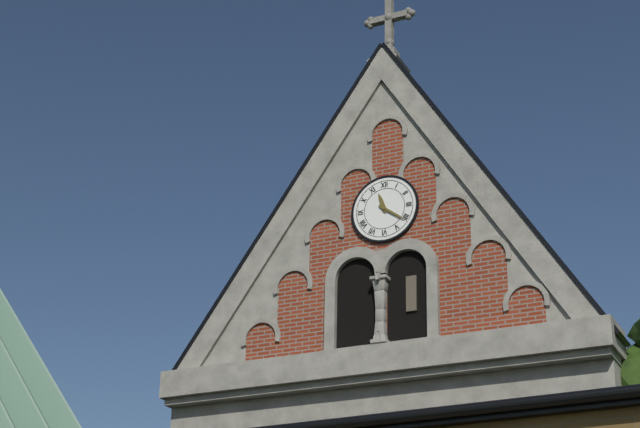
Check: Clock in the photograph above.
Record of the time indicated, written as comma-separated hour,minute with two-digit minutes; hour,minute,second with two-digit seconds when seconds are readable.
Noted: 11,21
